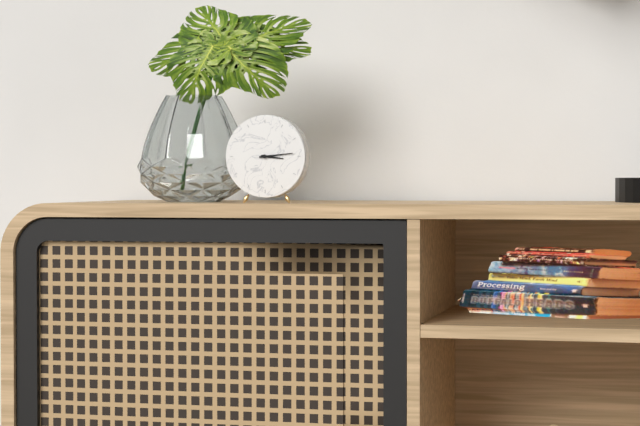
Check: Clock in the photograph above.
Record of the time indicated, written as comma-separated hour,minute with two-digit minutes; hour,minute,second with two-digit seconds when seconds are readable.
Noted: 3,14
